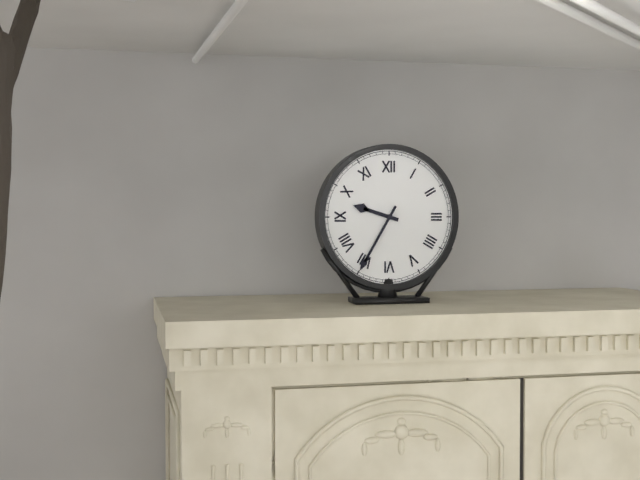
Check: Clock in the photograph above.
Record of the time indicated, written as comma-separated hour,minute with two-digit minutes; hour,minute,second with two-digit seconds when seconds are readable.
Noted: 9,35
